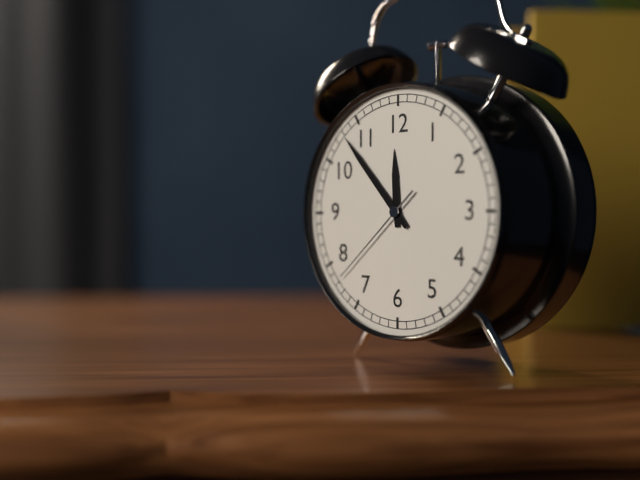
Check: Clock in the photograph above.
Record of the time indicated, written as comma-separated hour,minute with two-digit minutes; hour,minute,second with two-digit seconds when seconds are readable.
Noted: 11,53,38
